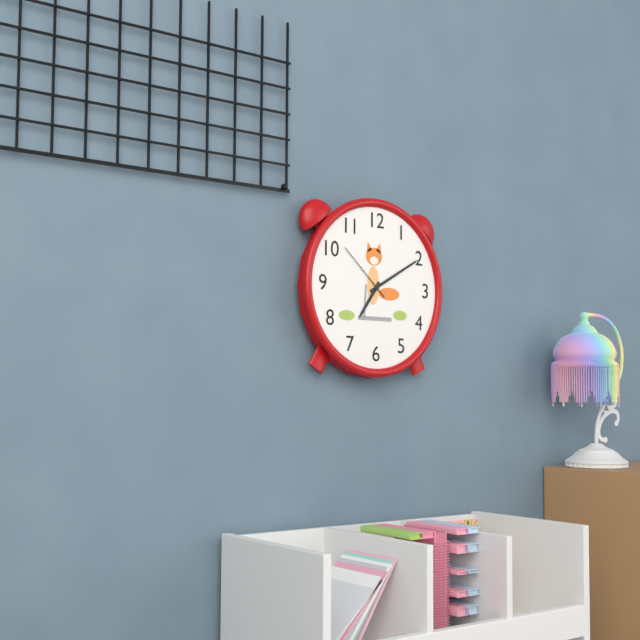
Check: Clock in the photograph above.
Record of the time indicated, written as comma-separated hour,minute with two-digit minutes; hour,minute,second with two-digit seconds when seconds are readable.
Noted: 7,10,52
